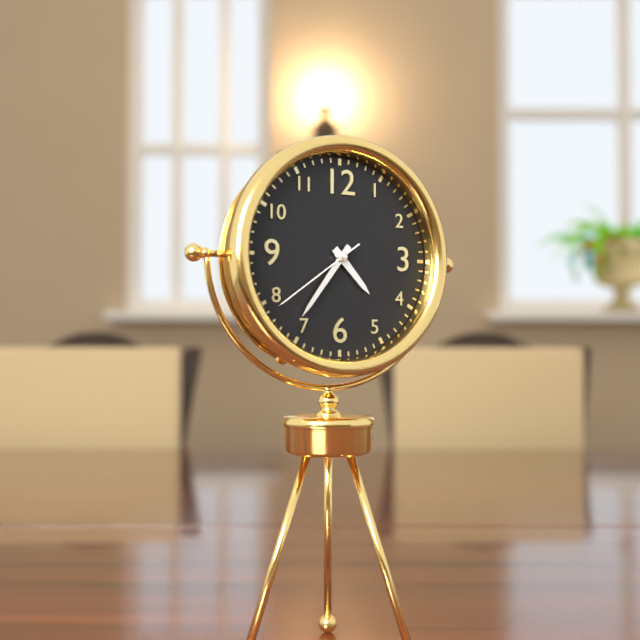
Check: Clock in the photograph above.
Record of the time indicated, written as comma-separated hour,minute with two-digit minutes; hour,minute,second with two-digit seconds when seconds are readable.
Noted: 4,36,39
